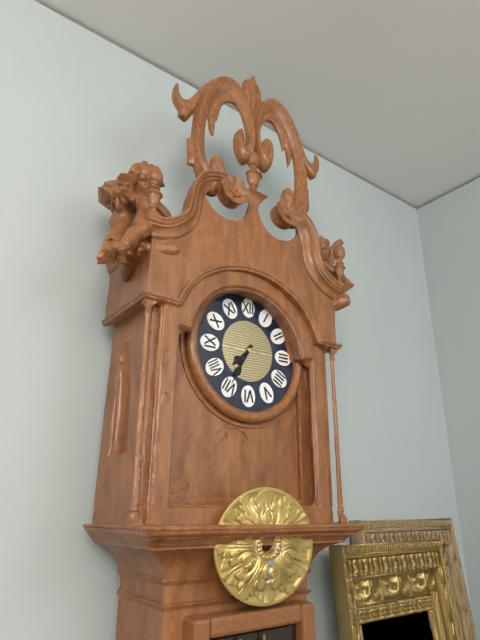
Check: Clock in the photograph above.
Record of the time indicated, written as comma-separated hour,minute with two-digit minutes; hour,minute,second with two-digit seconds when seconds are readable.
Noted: 7,35
